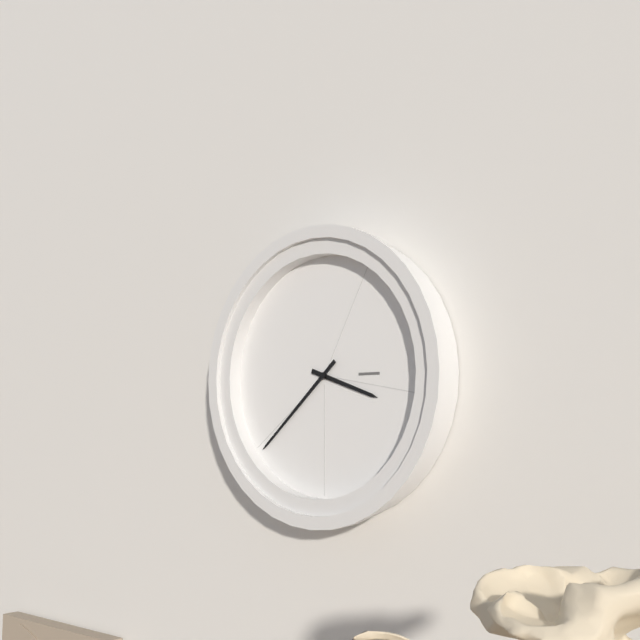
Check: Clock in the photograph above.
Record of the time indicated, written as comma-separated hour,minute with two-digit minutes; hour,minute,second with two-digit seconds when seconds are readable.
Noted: 3,38
